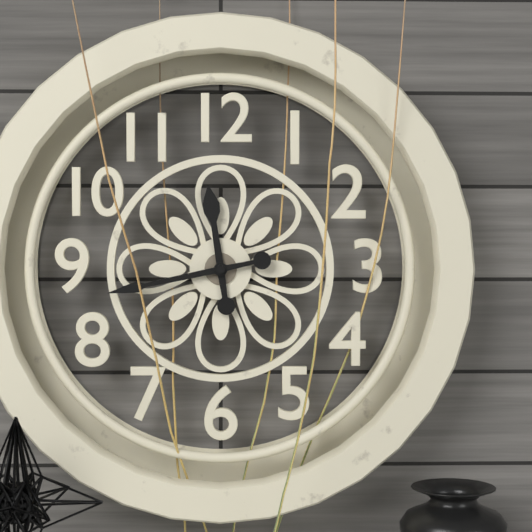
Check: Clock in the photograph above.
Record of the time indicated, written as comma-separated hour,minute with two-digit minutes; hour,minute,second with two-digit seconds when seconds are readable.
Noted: 11,43
